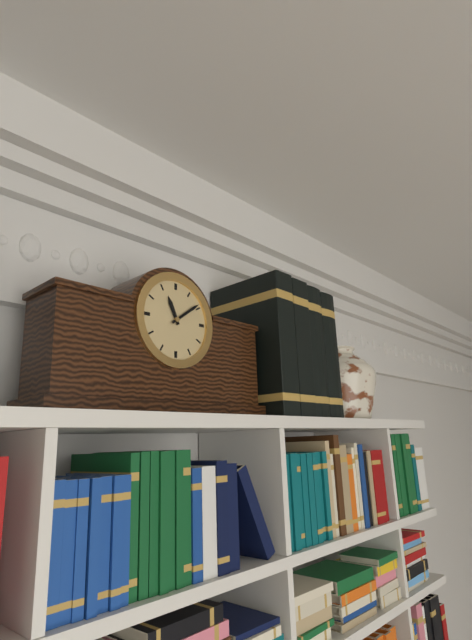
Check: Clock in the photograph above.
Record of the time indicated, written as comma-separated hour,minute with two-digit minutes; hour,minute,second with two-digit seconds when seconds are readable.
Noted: 11,09
